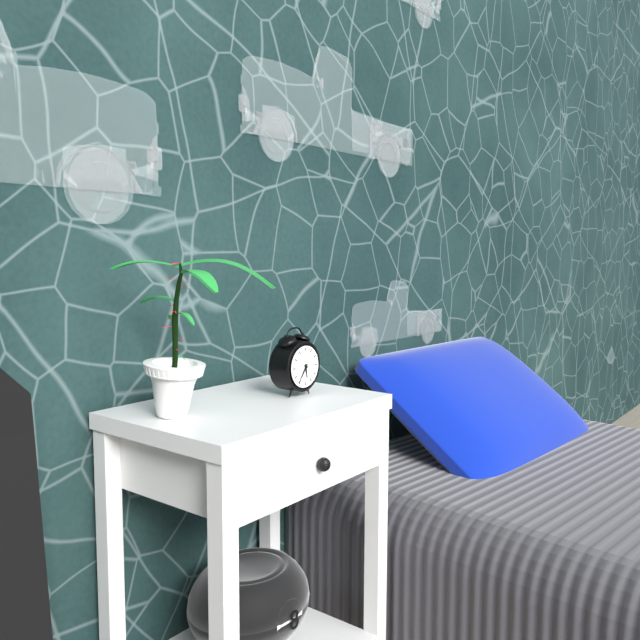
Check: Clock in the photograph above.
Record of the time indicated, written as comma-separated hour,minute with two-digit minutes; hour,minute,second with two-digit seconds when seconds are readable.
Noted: 5,36
